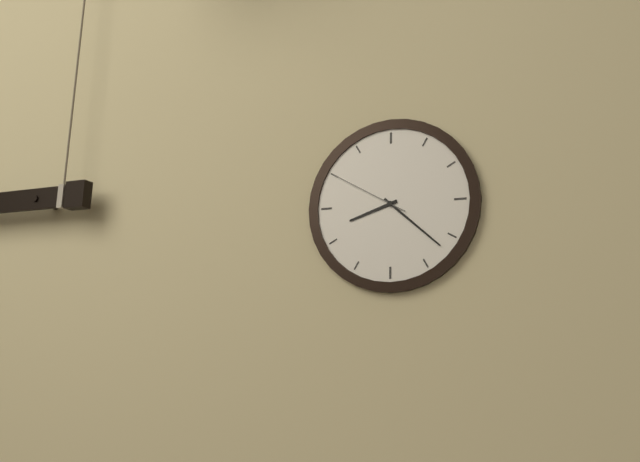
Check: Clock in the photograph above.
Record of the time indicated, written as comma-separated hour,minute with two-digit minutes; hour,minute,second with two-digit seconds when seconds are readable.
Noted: 8,22,50
